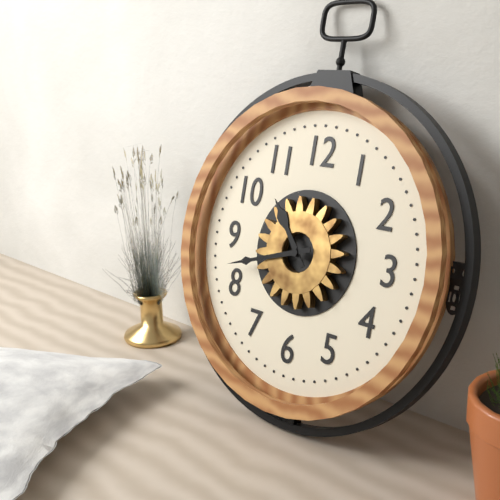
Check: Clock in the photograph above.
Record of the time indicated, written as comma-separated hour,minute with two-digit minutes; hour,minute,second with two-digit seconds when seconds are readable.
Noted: 10,42
